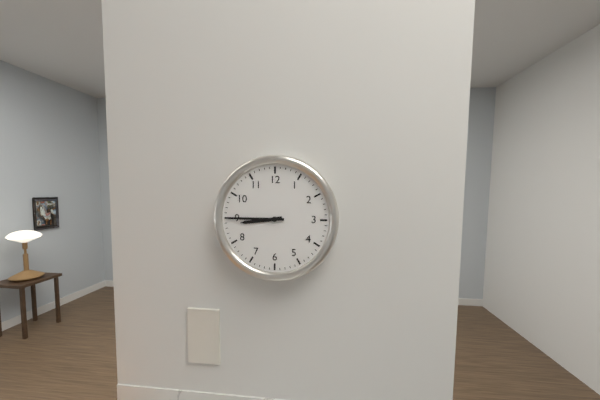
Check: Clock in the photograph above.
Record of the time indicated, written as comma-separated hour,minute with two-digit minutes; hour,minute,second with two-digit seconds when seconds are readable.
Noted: 8,45
